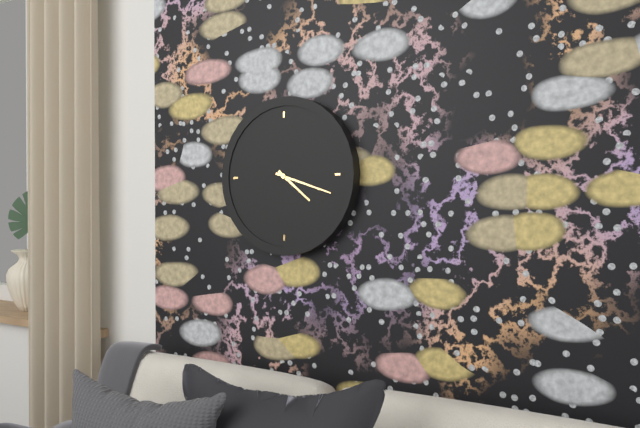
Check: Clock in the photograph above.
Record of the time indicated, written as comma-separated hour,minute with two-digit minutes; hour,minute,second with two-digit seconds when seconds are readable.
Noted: 4,18
